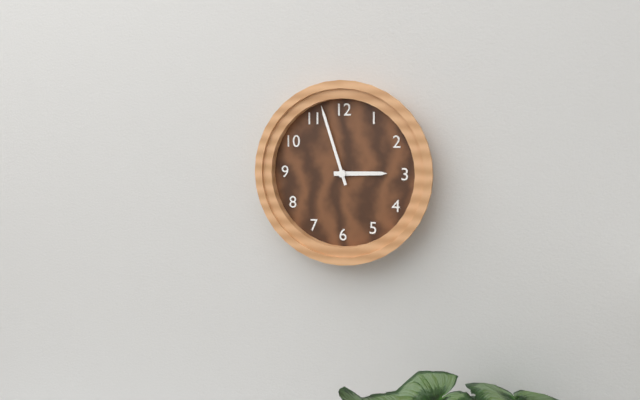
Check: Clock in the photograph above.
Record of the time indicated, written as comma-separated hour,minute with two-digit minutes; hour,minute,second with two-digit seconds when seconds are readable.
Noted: 2,57
